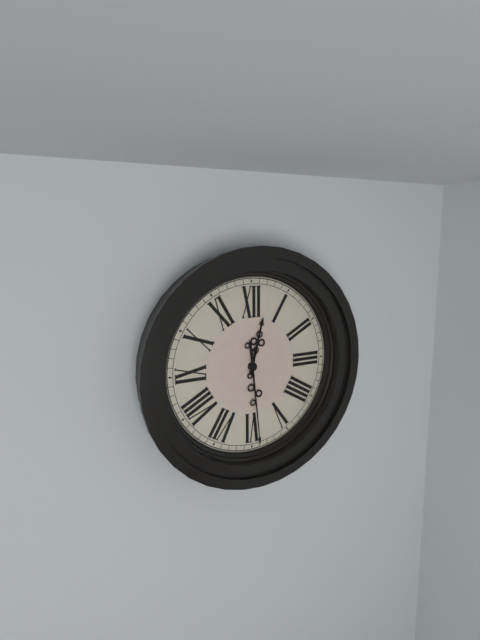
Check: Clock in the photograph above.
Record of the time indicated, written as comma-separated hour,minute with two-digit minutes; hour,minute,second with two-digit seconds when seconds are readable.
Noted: 12,29
